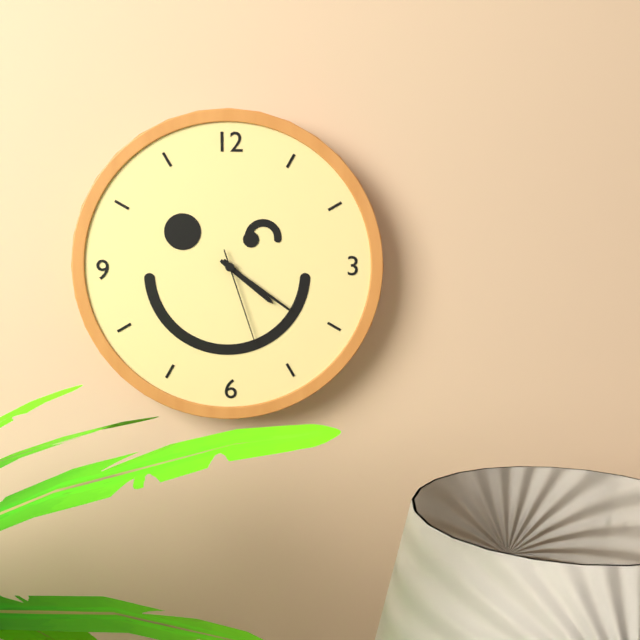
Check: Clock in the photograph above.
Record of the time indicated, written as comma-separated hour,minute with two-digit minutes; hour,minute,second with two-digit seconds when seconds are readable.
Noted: 4,21,27
